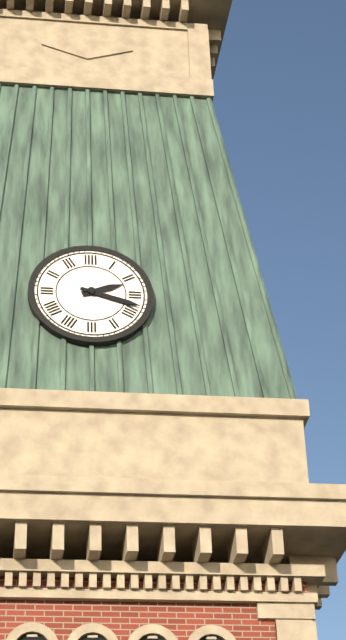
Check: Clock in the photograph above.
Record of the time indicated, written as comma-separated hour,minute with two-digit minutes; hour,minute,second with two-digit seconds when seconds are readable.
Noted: 2,18
